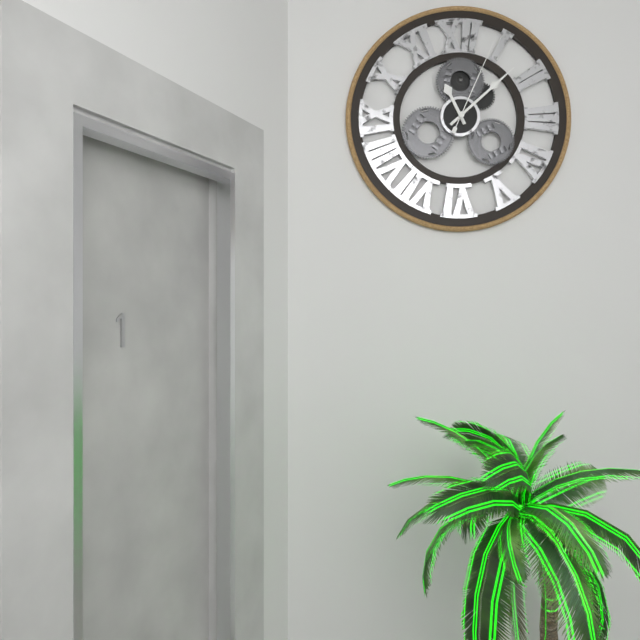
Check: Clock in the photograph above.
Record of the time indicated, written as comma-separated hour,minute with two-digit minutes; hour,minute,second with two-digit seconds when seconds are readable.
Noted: 11,08,04
